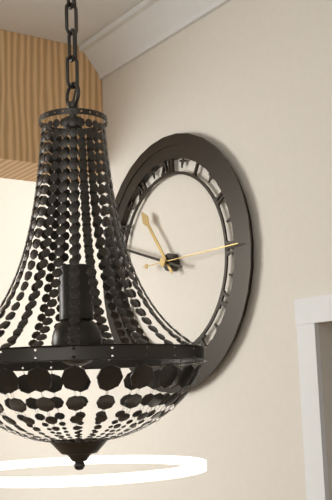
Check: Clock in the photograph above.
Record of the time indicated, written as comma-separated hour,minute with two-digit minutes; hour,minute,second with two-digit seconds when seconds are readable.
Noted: 10,48,15
